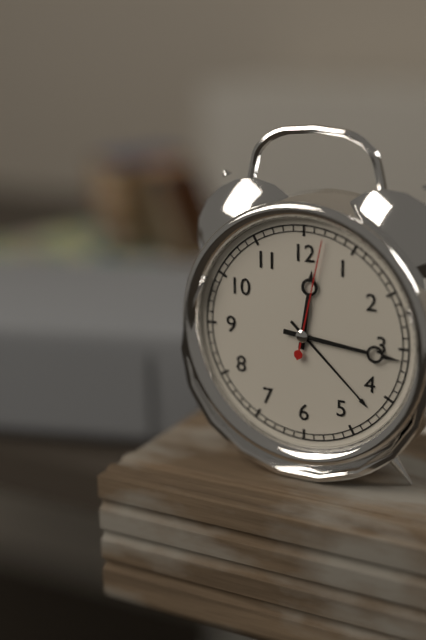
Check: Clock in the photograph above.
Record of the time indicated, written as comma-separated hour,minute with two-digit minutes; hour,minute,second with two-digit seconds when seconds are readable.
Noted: 12,16,02
